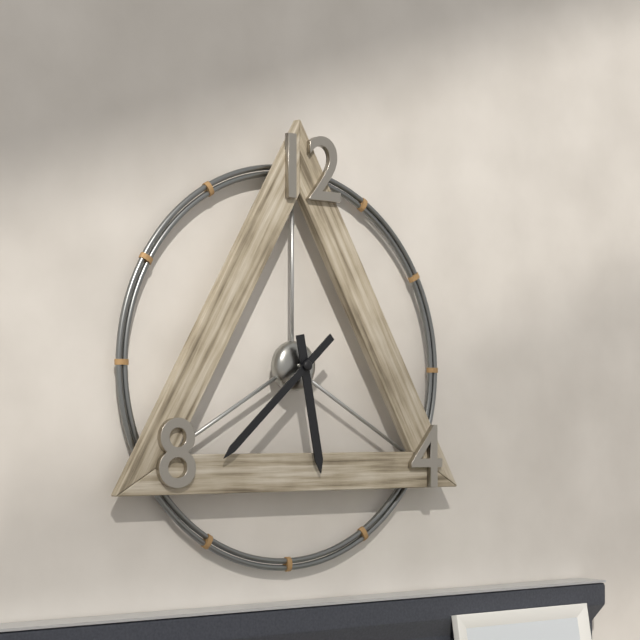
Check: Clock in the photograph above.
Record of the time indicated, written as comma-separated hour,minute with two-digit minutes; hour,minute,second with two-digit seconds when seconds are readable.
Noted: 5,38
